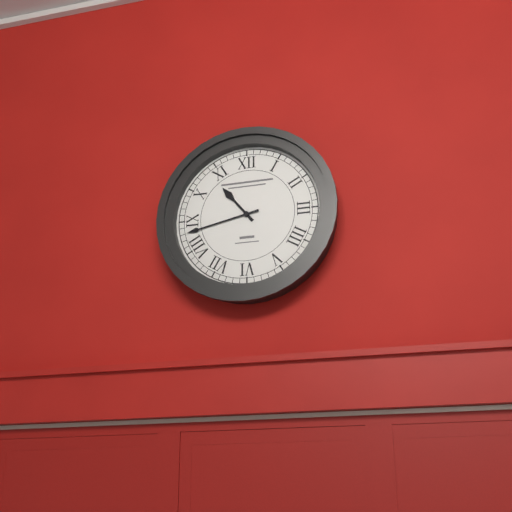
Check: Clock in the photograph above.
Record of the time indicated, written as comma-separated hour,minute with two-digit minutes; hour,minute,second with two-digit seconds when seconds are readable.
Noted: 10,43
